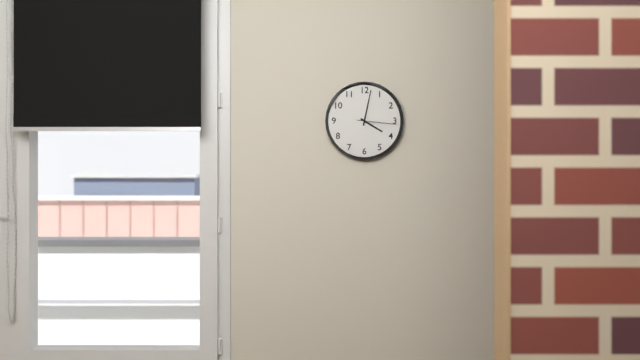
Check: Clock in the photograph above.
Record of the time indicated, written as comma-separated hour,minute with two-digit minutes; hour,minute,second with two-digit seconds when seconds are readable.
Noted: 4,02
